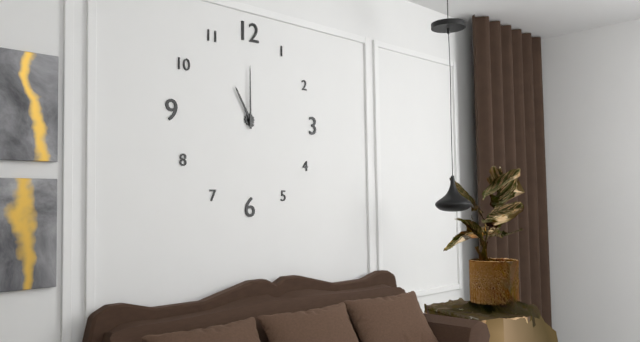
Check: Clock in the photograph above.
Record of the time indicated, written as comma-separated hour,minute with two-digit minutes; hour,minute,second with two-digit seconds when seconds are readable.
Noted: 11,00
